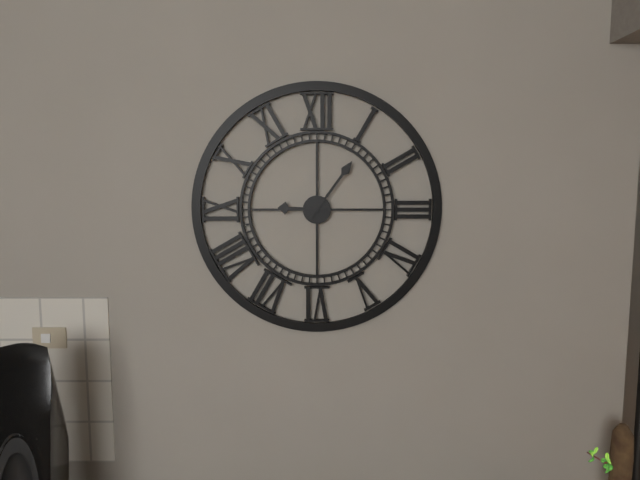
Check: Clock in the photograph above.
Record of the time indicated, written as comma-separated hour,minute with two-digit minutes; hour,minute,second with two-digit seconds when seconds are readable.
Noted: 9,06
